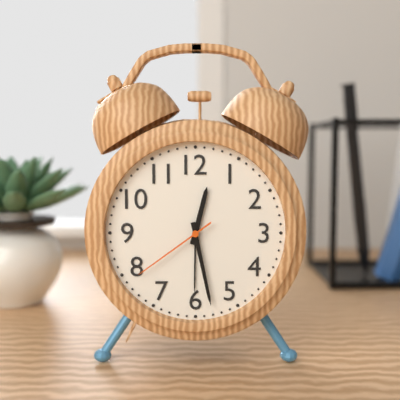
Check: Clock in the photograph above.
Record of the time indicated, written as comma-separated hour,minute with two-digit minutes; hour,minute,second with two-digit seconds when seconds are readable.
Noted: 12,28,39
